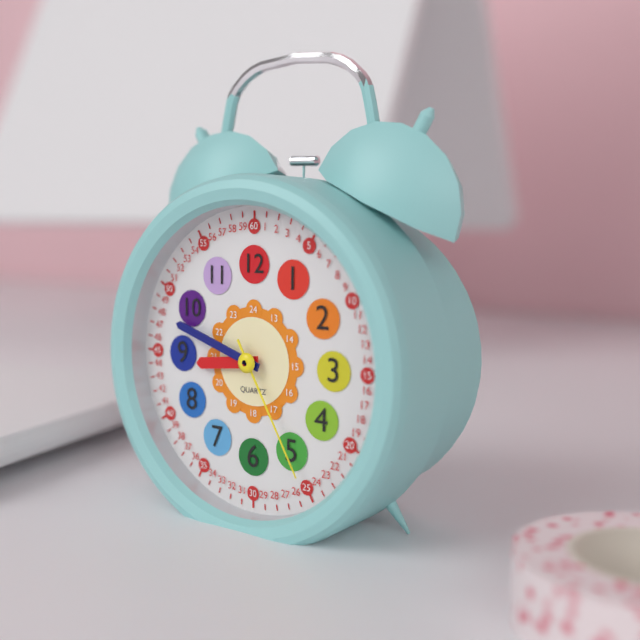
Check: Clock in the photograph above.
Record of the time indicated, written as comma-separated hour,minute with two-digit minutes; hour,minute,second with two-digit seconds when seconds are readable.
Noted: 8,48,25
